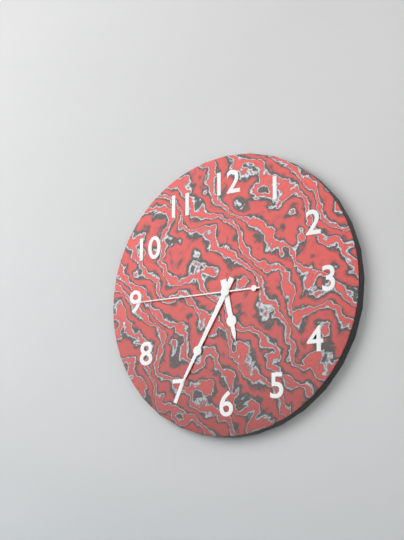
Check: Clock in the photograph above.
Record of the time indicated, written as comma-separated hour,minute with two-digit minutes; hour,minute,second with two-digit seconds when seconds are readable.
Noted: 5,35,45
